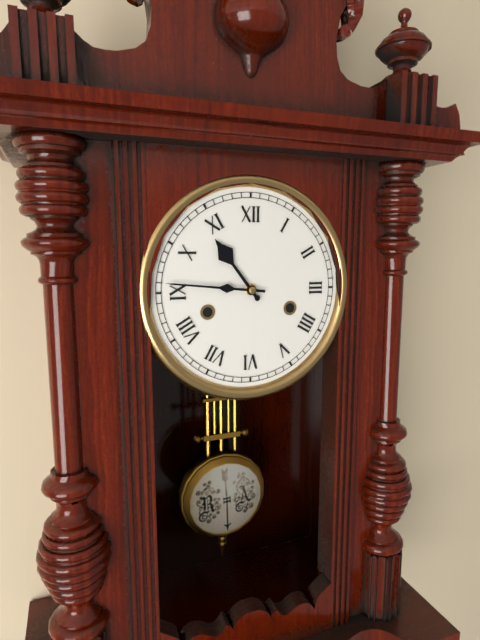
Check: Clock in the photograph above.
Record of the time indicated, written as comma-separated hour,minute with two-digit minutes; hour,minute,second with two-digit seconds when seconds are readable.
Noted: 10,46
